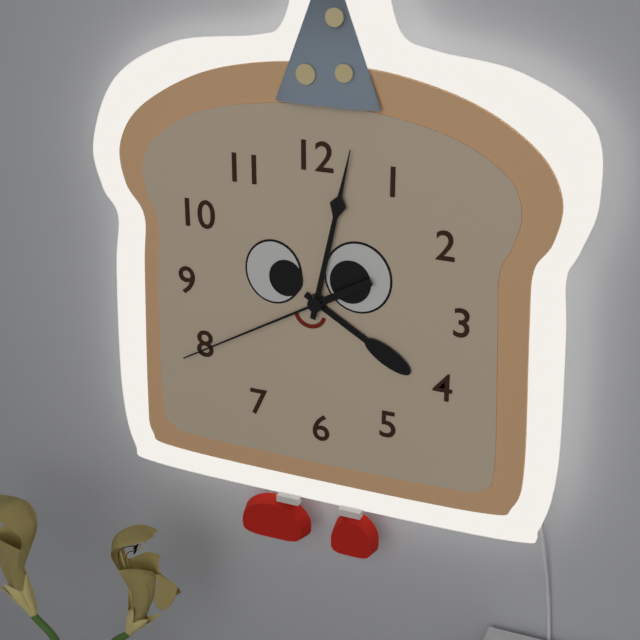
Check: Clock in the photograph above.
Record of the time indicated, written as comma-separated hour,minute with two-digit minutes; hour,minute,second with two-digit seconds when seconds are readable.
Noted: 4,02,40
